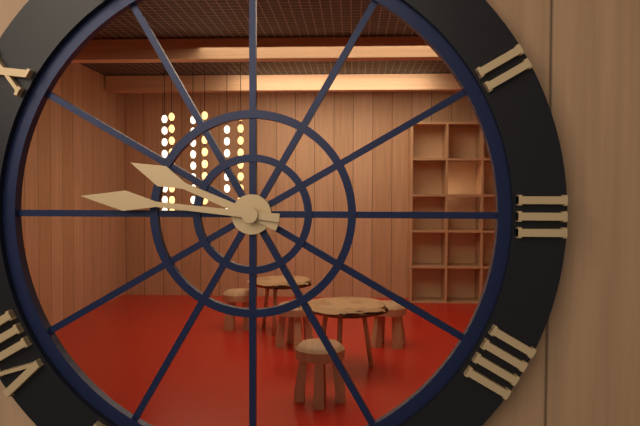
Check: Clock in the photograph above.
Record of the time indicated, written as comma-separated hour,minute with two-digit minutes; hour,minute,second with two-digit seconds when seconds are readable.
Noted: 9,46
